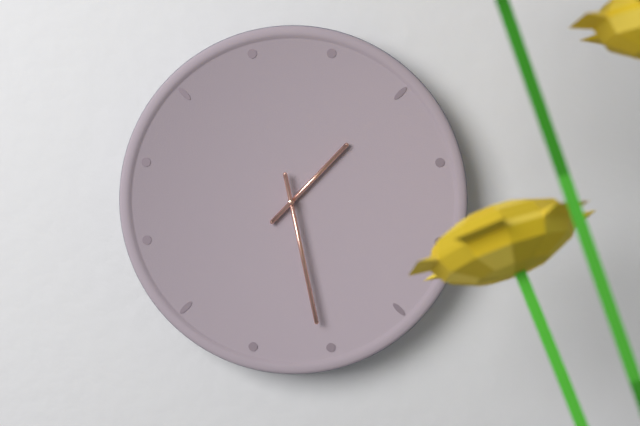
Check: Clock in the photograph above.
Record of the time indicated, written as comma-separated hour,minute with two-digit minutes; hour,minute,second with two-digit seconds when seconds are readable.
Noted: 1,28
